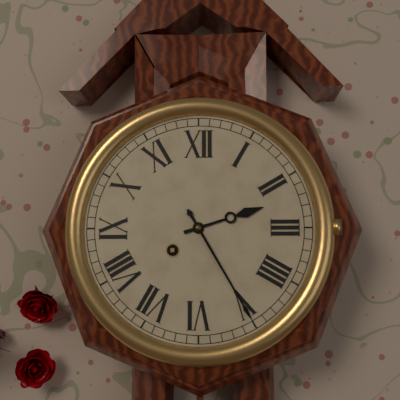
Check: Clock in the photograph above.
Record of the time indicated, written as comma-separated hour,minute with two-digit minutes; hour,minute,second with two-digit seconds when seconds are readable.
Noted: 2,25
